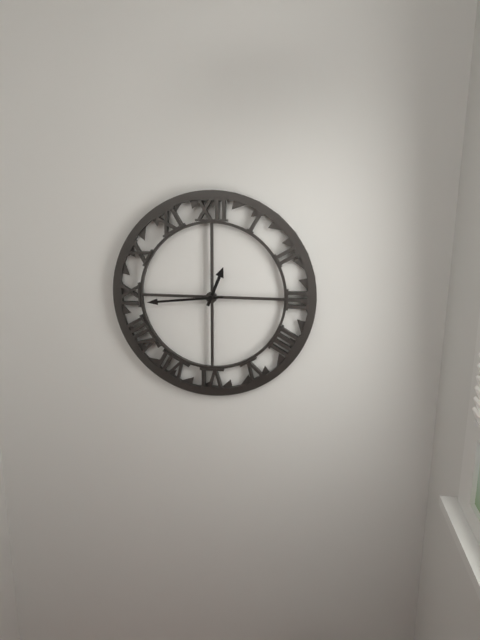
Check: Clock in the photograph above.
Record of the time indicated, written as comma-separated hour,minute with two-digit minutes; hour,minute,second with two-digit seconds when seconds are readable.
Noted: 12,44
